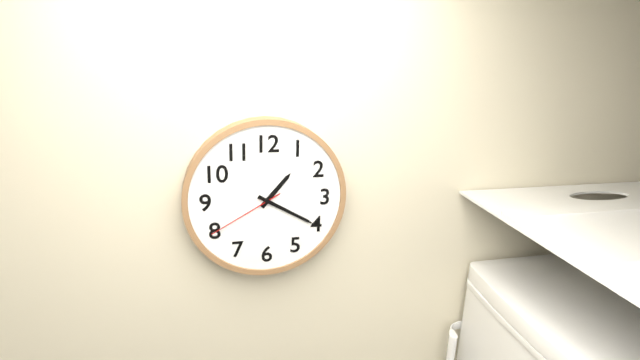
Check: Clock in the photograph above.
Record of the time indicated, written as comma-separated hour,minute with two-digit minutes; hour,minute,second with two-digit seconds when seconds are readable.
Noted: 1,20,40
